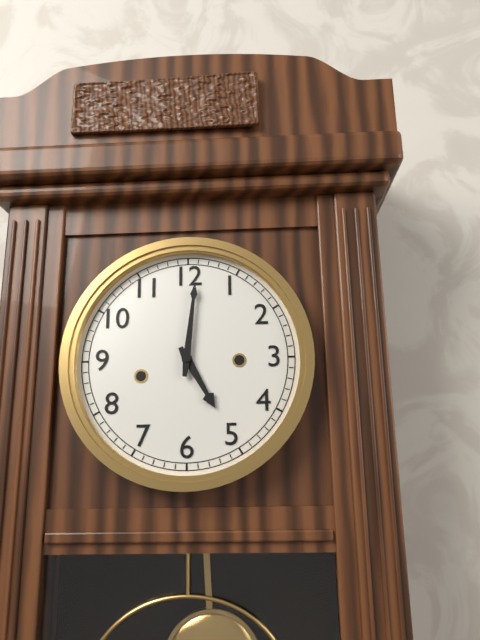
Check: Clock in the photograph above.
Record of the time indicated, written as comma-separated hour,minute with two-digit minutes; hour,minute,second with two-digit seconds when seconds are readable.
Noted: 5,01
